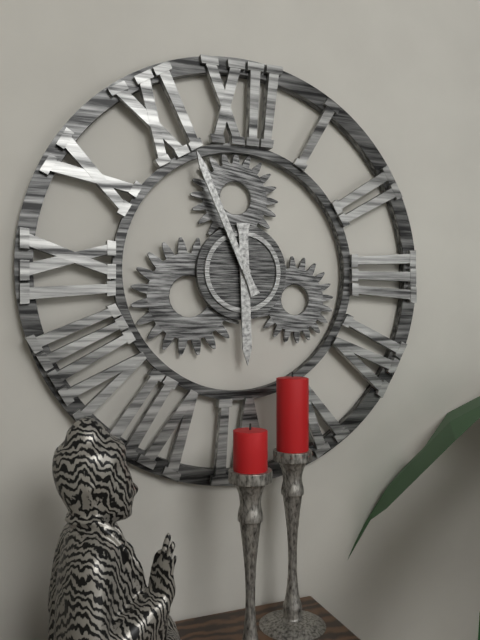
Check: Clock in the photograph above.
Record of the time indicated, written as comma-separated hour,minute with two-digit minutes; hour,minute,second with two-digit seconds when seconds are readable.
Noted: 5,56
